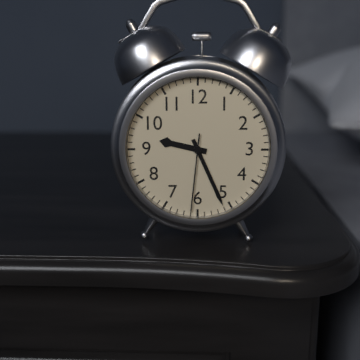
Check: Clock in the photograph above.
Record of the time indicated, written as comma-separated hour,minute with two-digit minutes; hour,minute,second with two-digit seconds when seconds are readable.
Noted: 9,26,31
